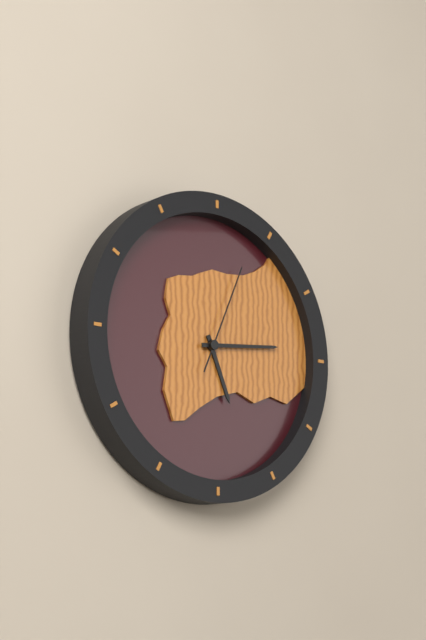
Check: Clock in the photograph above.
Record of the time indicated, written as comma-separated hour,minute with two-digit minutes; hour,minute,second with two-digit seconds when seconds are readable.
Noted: 5,14,04
